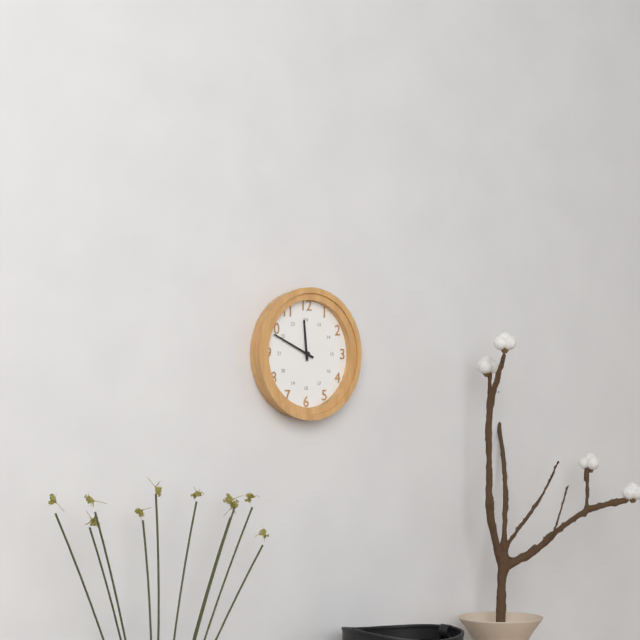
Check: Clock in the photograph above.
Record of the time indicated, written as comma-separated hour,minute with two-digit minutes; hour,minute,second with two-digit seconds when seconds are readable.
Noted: 11,49
